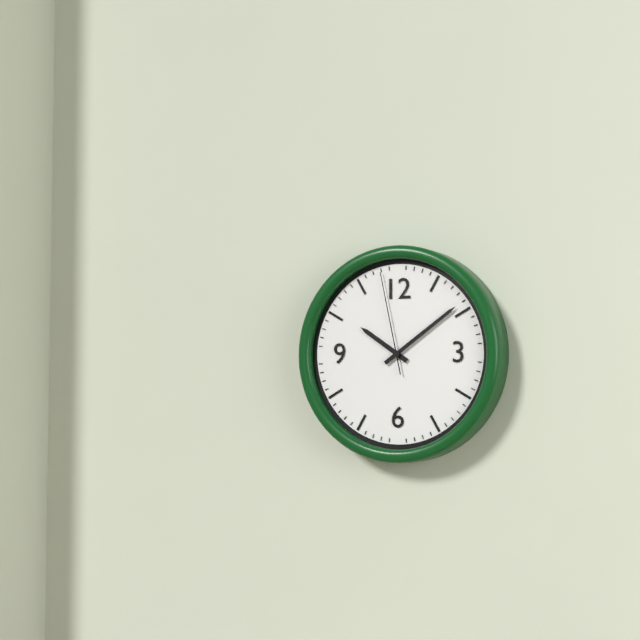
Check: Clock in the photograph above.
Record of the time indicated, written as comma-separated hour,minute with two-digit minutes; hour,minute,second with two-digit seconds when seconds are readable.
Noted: 10,09,58
